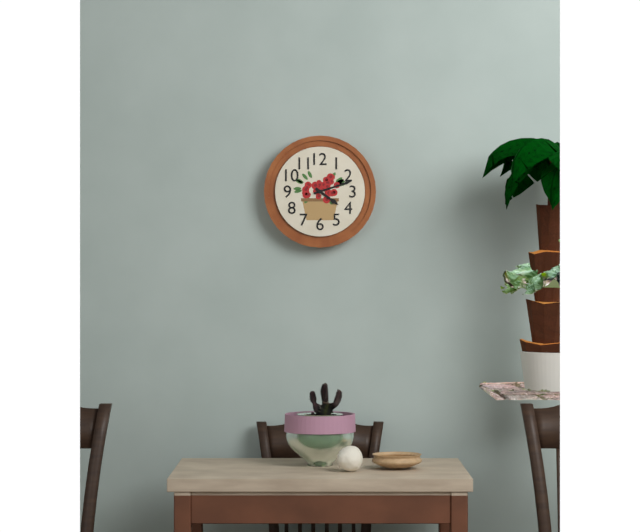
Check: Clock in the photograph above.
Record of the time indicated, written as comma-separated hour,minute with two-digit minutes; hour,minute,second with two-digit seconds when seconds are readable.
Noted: 4,12
